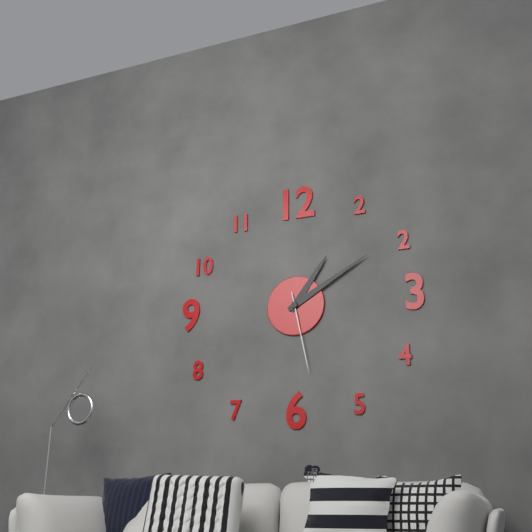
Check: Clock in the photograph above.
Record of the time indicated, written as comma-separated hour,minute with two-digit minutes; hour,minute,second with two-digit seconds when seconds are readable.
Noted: 1,10,28
